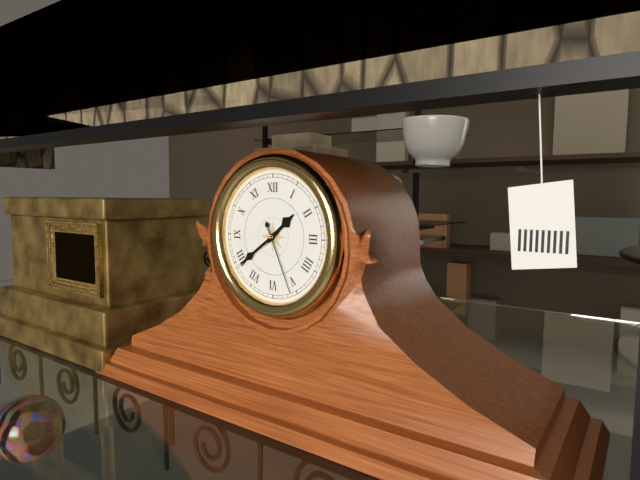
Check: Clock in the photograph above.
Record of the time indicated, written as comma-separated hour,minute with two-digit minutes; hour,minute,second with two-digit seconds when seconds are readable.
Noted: 1,39,26
